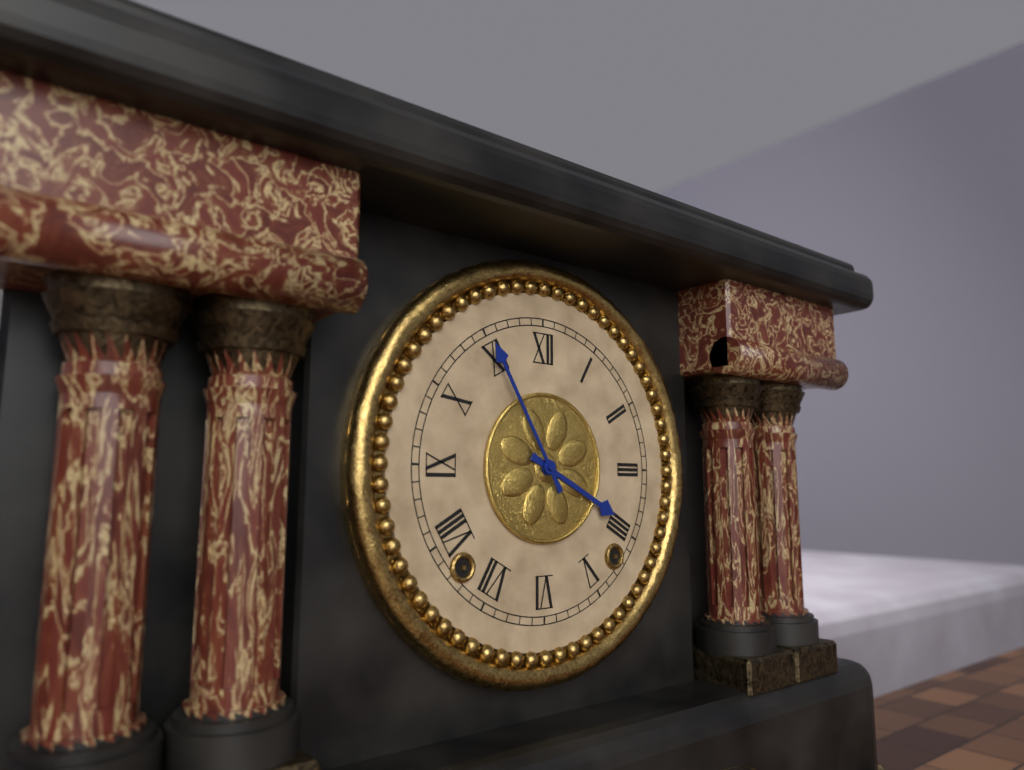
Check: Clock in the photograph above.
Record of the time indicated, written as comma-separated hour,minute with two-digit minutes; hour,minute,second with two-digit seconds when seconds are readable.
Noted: 3,55
